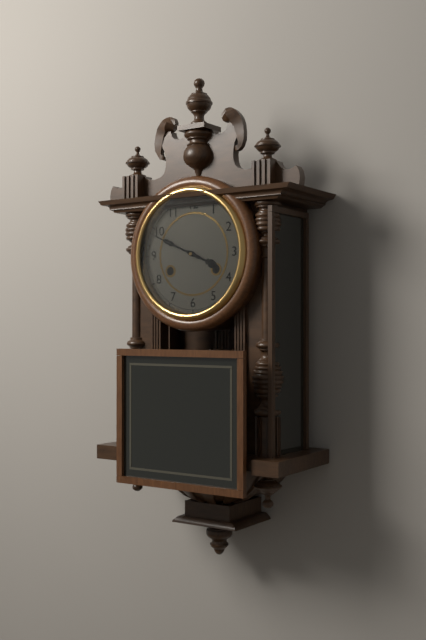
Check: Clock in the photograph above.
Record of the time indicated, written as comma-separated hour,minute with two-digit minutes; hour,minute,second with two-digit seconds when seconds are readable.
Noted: 3,49
